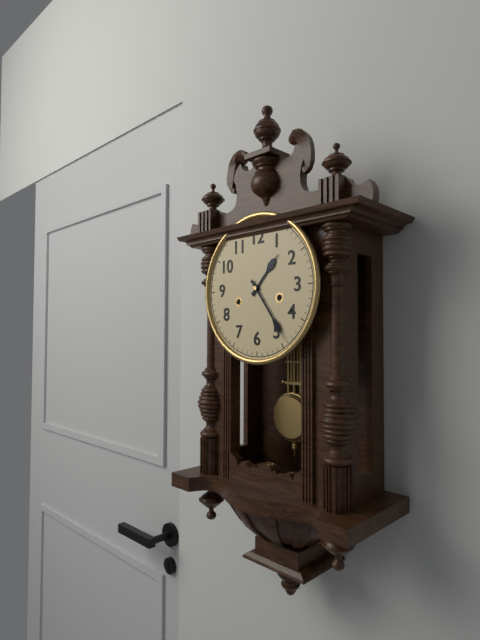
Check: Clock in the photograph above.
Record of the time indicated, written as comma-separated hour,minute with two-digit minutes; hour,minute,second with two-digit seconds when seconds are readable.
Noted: 1,24
